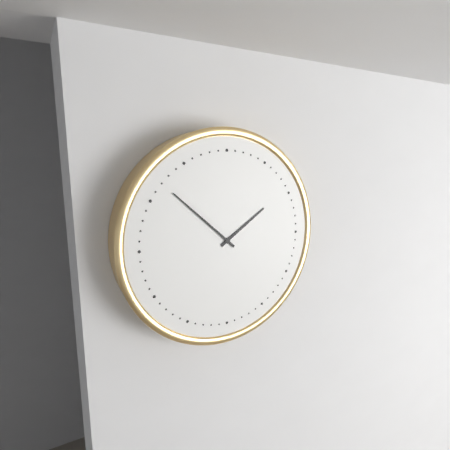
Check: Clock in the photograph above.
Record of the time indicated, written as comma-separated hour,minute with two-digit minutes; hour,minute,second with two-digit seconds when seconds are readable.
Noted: 1,52
